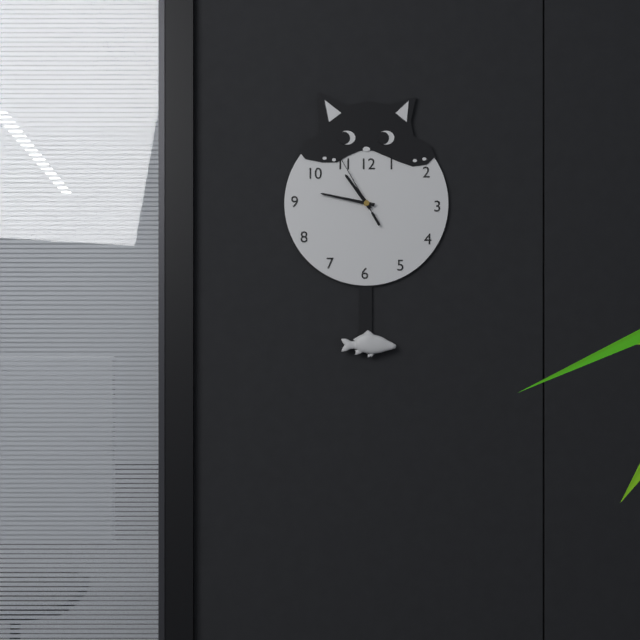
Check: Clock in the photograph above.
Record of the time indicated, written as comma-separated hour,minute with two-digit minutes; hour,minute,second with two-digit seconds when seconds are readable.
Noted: 10,47,55
